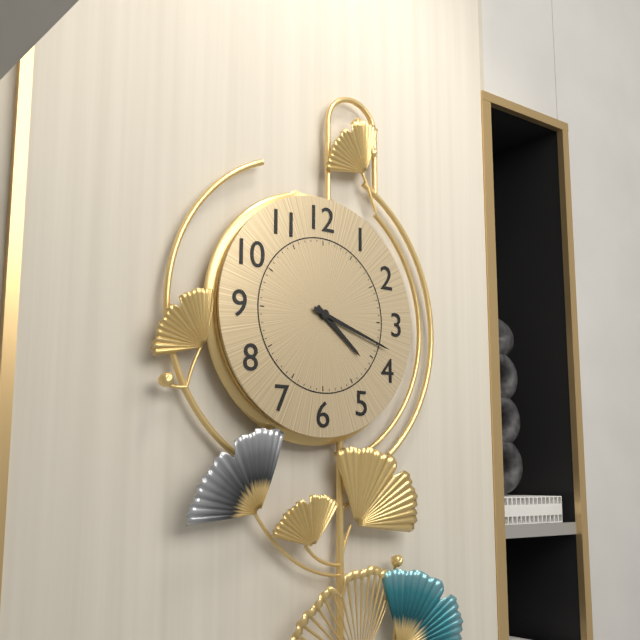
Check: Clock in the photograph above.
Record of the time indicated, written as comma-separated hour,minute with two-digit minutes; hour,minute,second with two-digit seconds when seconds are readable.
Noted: 4,18
